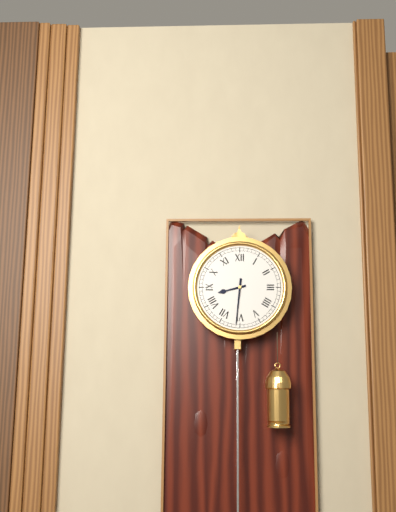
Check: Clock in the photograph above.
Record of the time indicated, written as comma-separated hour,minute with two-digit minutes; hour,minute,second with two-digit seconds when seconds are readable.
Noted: 8,31
